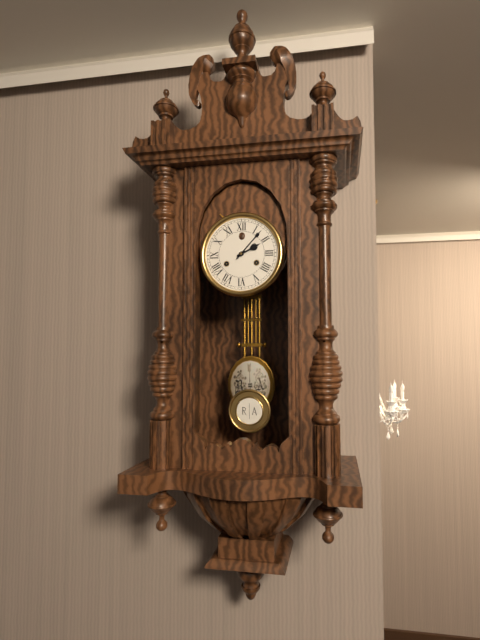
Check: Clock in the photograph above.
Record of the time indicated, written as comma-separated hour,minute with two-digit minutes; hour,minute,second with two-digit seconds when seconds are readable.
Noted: 2,07
